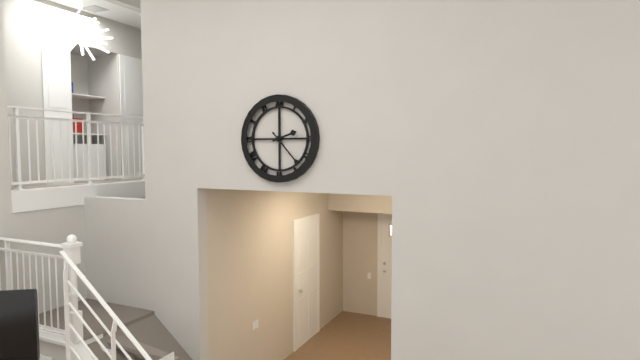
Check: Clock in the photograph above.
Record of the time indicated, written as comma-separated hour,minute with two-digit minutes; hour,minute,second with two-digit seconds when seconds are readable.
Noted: 2,23
